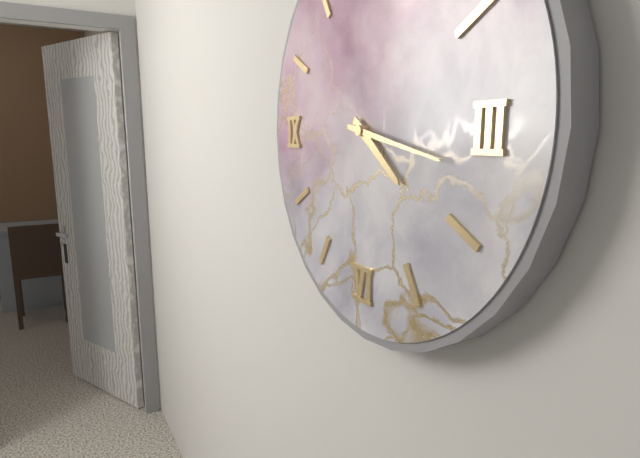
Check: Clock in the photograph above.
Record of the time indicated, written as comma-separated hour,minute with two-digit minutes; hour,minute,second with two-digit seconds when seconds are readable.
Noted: 4,17
